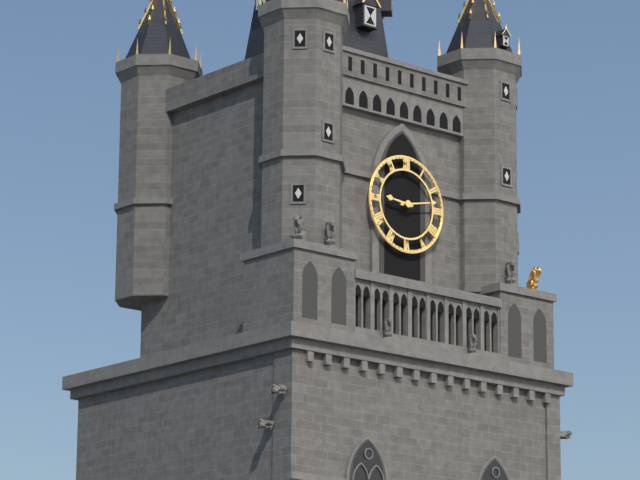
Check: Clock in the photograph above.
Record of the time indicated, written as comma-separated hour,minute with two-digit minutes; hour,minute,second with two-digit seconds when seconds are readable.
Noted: 9,13
